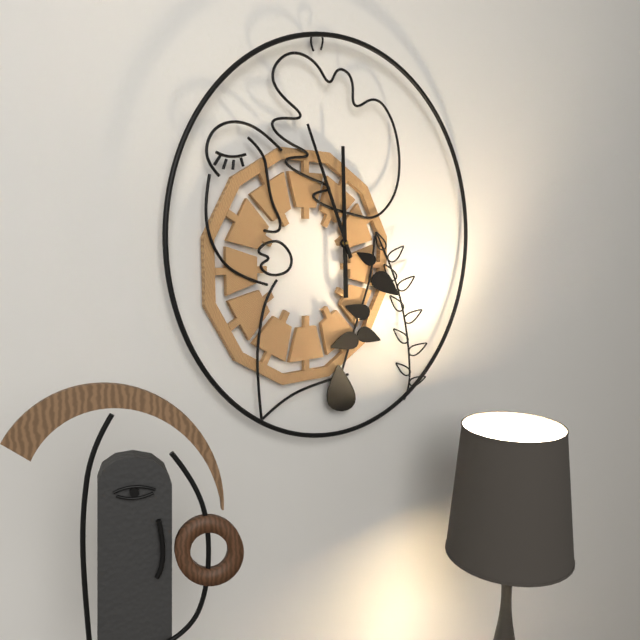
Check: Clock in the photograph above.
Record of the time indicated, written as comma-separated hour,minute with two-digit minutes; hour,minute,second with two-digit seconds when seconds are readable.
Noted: 11,56
